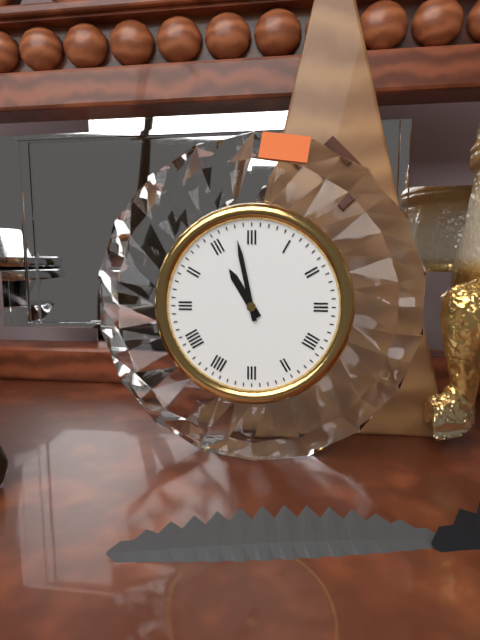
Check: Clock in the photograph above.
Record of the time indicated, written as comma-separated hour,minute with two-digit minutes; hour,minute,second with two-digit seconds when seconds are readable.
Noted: 10,58
